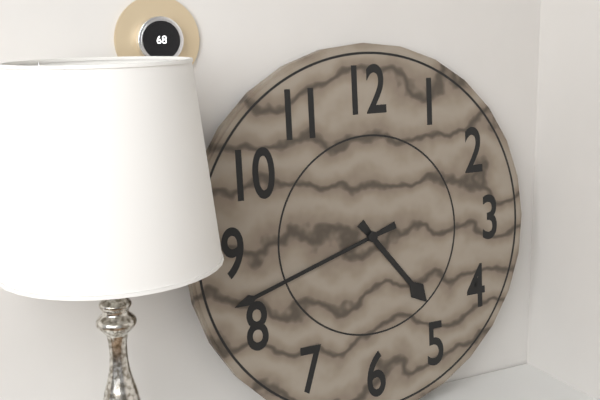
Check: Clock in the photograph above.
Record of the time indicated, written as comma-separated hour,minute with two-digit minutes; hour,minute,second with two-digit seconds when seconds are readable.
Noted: 4,42
